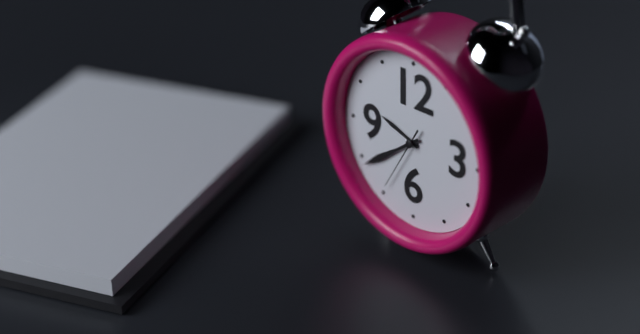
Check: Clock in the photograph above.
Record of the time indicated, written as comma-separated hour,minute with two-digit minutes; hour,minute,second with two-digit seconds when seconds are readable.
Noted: 9,39,35
